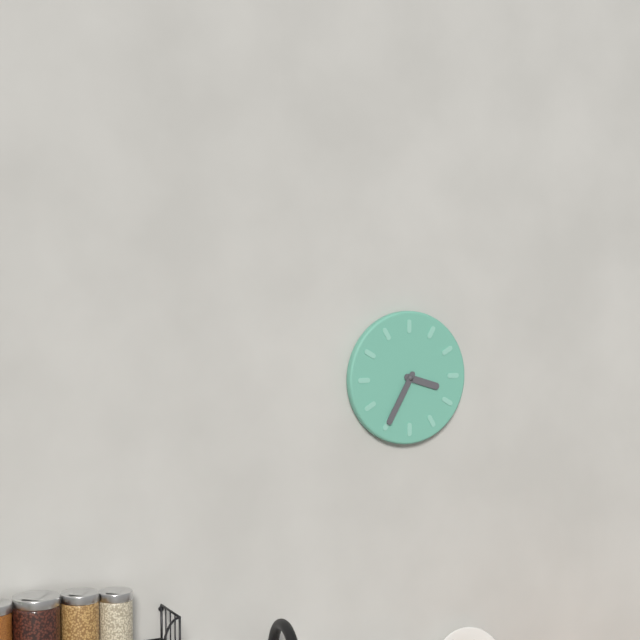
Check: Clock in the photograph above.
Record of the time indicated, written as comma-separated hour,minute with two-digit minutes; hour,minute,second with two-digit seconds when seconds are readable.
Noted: 3,35
